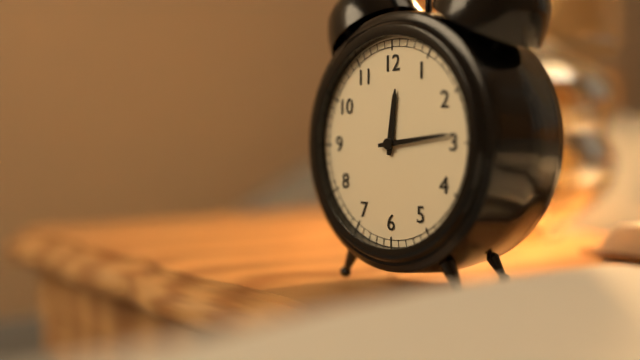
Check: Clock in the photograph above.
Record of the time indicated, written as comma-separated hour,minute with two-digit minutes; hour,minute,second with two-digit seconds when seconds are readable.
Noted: 12,14
